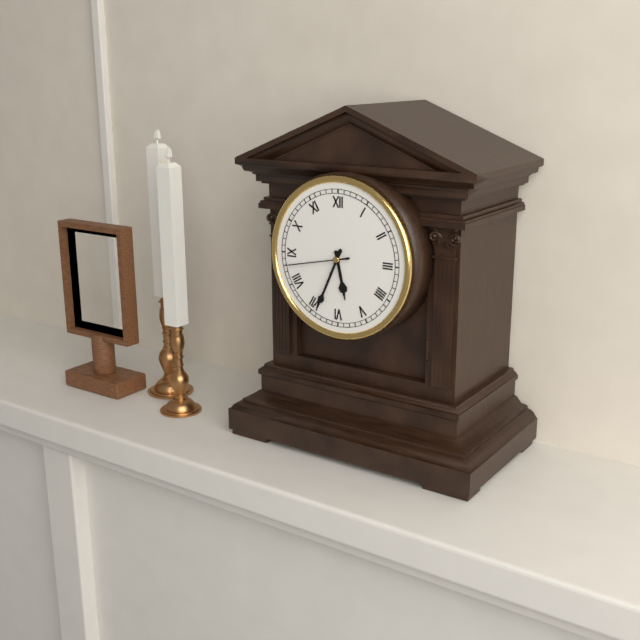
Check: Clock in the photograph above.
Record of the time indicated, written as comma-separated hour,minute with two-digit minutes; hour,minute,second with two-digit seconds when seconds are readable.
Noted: 5,34,43
